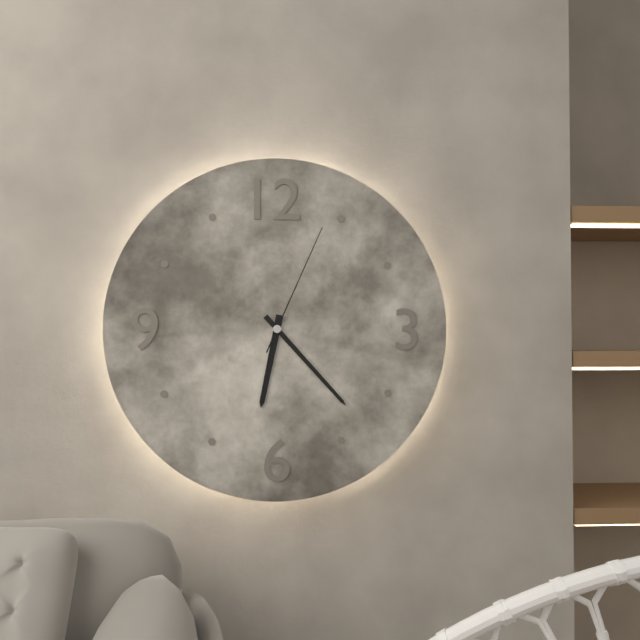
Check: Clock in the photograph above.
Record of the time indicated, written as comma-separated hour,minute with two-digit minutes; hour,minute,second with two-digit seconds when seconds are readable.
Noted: 6,23,04
